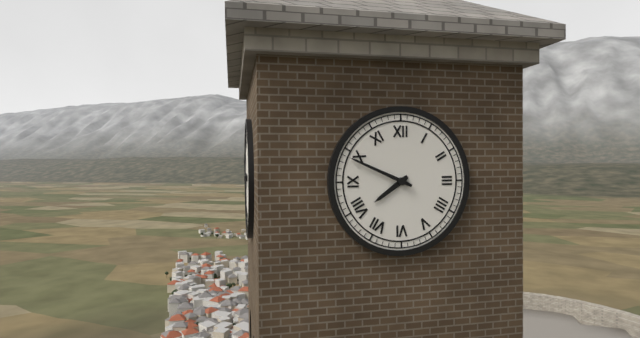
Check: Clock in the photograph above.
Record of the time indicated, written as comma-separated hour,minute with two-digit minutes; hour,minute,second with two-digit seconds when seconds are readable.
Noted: 7,49
